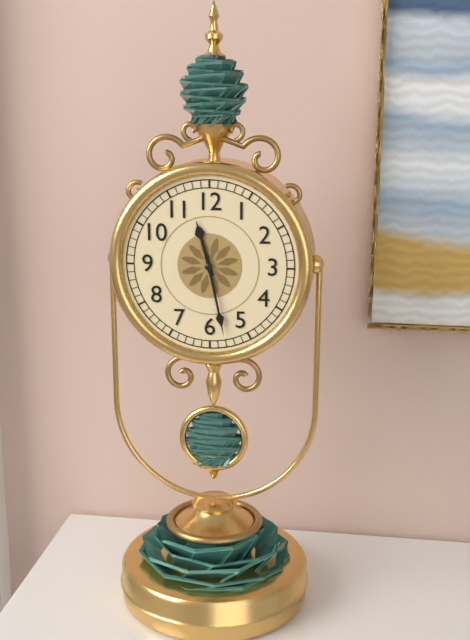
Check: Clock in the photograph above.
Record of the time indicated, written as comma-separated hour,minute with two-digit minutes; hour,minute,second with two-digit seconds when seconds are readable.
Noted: 11,28
